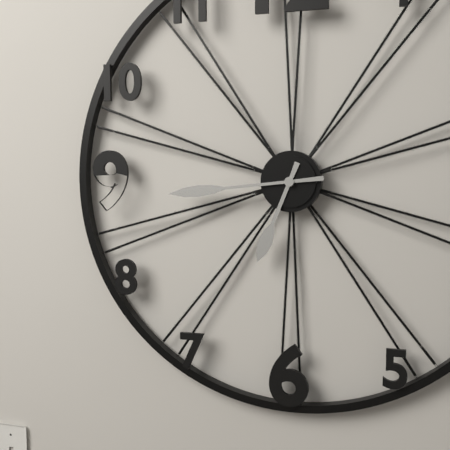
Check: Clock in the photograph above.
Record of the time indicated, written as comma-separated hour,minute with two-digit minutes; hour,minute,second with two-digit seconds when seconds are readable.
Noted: 6,44
